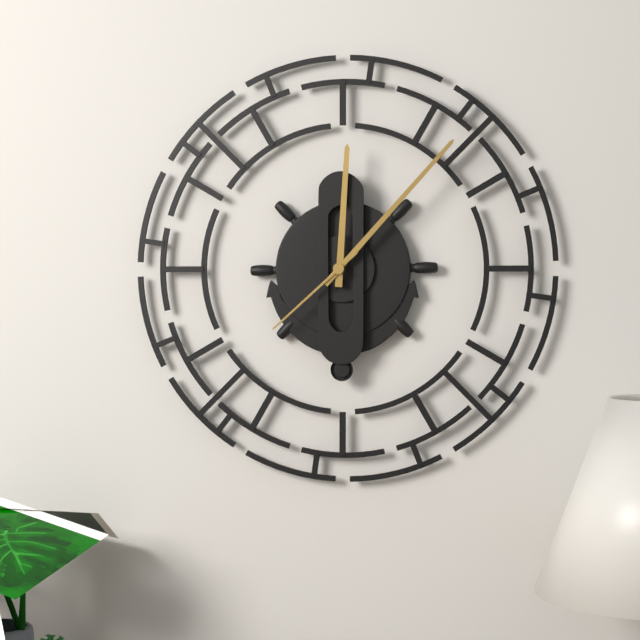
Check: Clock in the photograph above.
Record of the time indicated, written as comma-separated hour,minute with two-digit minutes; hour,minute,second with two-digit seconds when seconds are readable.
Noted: 12,07,38
